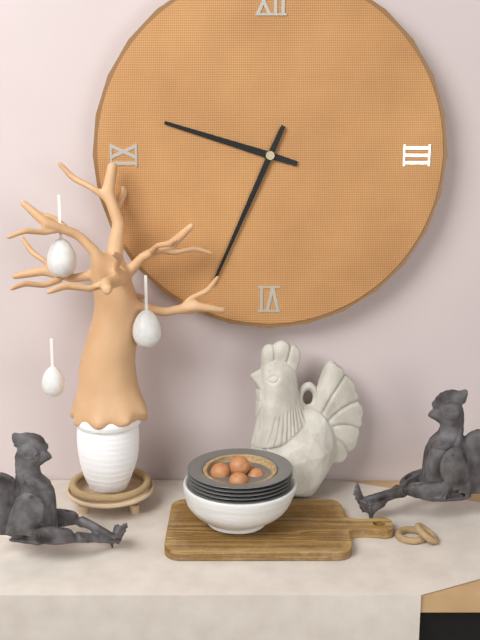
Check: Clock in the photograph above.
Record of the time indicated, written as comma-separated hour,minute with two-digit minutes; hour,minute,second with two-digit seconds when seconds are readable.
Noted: 9,34
